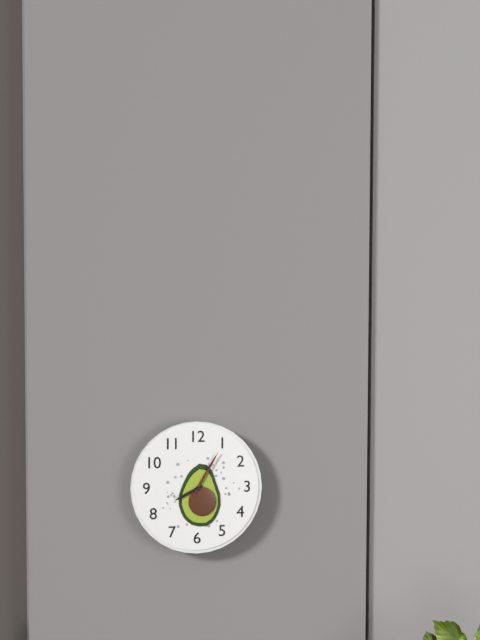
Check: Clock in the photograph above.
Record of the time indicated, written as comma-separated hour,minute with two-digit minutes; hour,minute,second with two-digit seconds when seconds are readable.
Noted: 8,05,05
